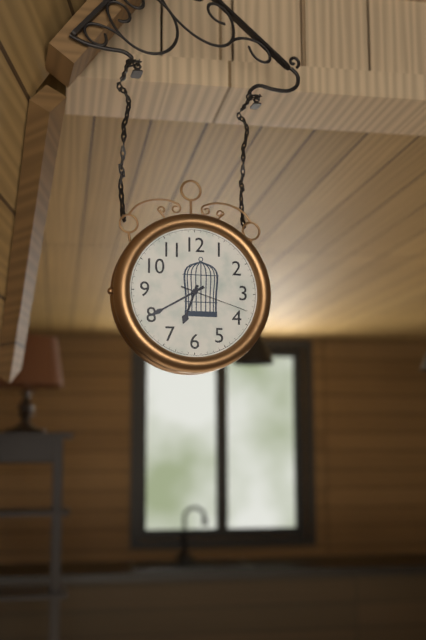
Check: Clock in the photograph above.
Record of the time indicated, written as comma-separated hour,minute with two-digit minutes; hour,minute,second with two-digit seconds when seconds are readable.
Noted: 6,40,18
